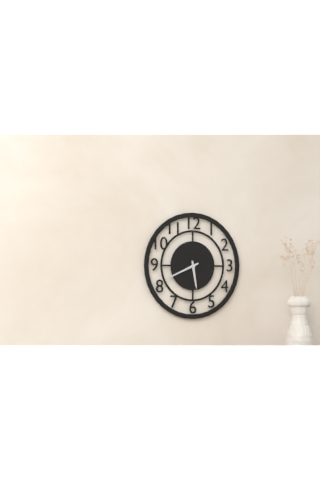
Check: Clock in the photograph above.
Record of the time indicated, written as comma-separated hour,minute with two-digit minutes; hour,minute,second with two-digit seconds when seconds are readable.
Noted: 5,41
